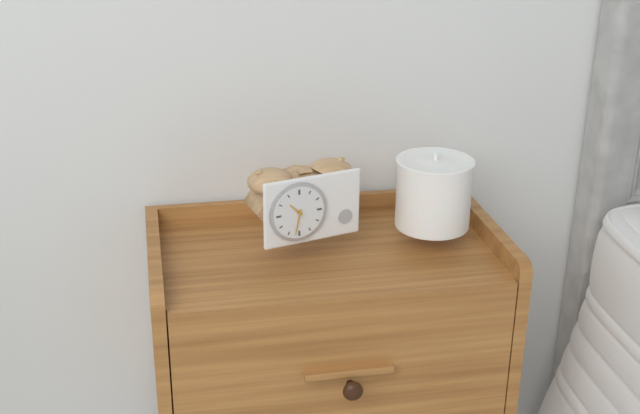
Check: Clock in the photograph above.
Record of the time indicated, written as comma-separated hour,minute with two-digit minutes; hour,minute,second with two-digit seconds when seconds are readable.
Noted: 10,32
